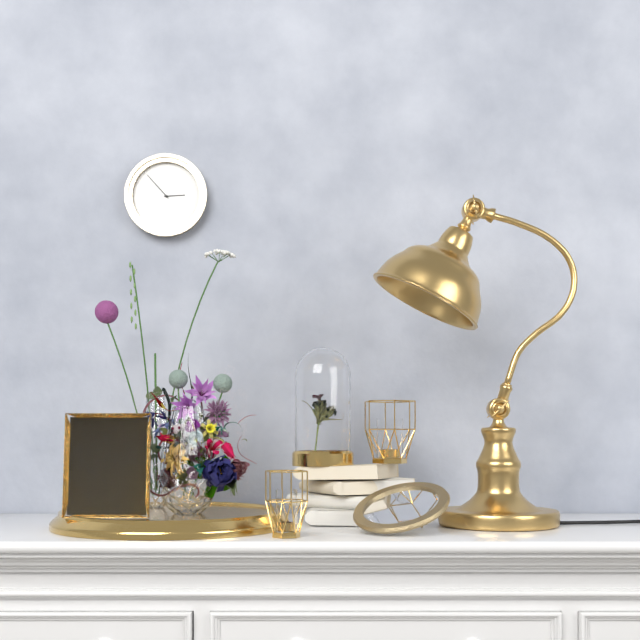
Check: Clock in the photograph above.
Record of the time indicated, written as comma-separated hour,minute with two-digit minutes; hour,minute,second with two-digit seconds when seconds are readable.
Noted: 2,53
